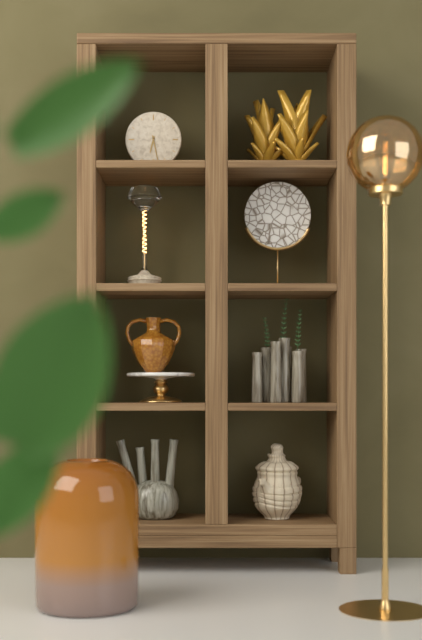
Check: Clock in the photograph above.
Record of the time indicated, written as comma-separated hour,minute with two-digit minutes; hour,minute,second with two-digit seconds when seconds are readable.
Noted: 6,28
